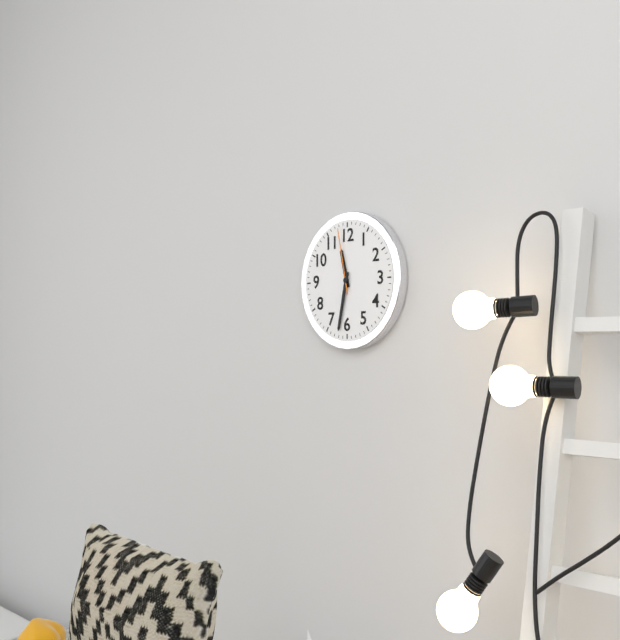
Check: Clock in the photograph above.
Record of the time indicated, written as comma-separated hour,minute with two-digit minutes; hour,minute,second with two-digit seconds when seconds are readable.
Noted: 11,32,58
